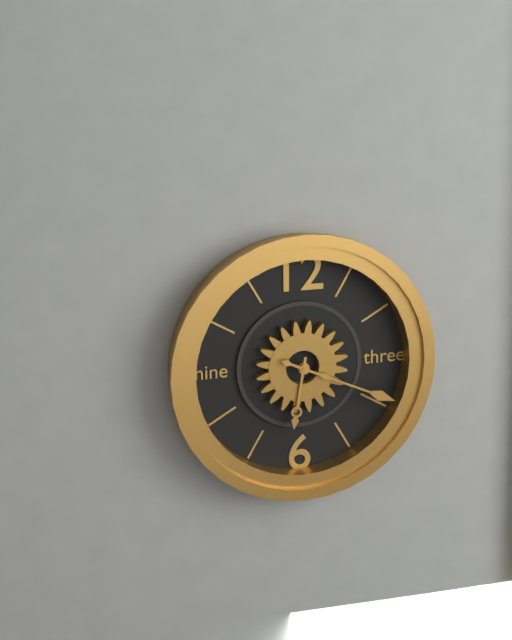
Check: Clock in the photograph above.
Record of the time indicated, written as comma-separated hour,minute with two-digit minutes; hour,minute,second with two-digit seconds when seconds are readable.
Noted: 6,19
